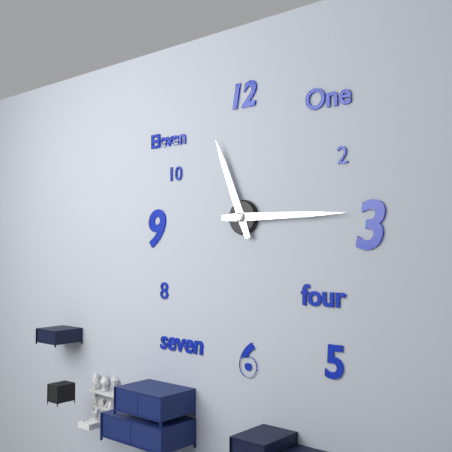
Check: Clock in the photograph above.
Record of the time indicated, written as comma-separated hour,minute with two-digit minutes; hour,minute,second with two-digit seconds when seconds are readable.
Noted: 11,15
